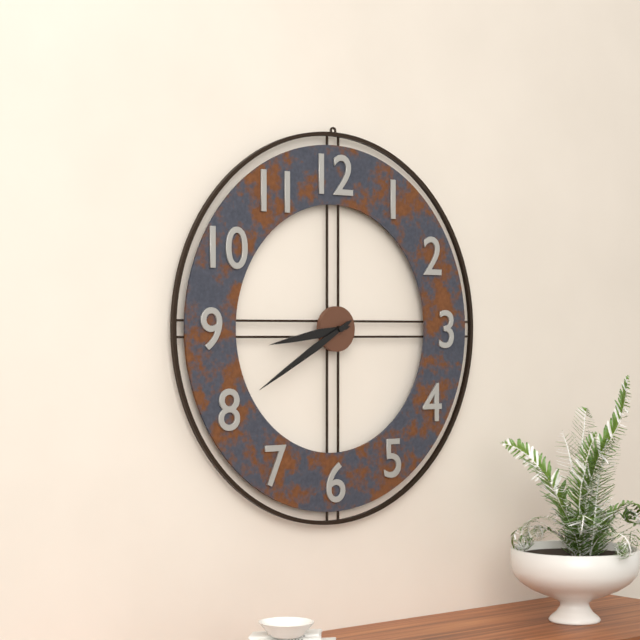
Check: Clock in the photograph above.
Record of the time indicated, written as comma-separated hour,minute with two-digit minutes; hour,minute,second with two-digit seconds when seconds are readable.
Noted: 8,40
